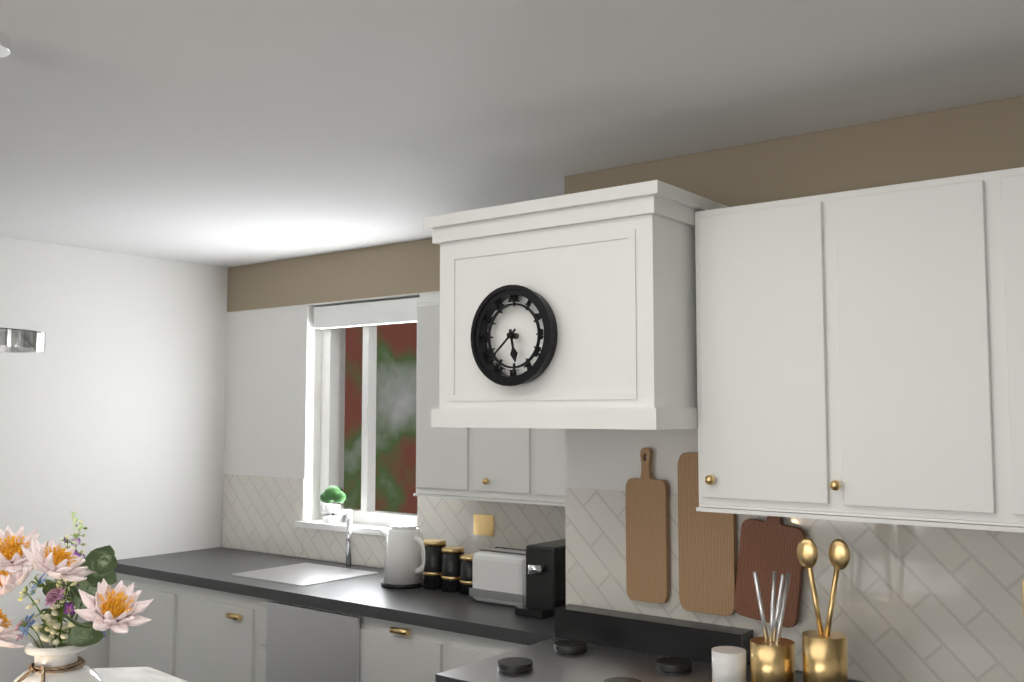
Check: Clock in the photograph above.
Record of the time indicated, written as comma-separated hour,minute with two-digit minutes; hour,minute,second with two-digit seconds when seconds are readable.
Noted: 5,38
